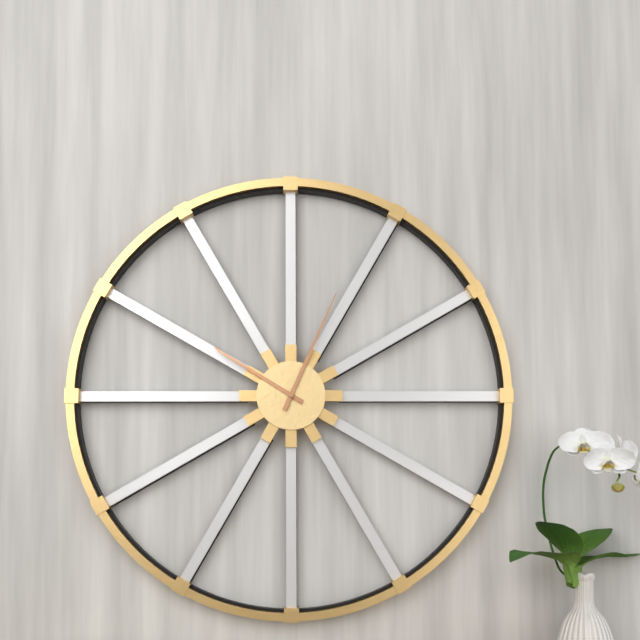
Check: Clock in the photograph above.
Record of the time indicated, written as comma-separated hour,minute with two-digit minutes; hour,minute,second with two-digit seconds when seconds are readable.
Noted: 10,04
